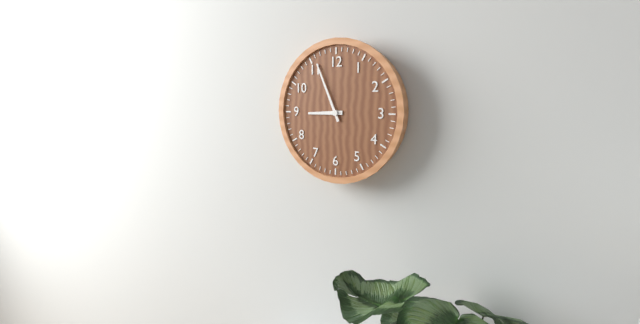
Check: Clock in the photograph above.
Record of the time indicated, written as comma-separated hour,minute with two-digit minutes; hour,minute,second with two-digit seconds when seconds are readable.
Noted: 8,56
